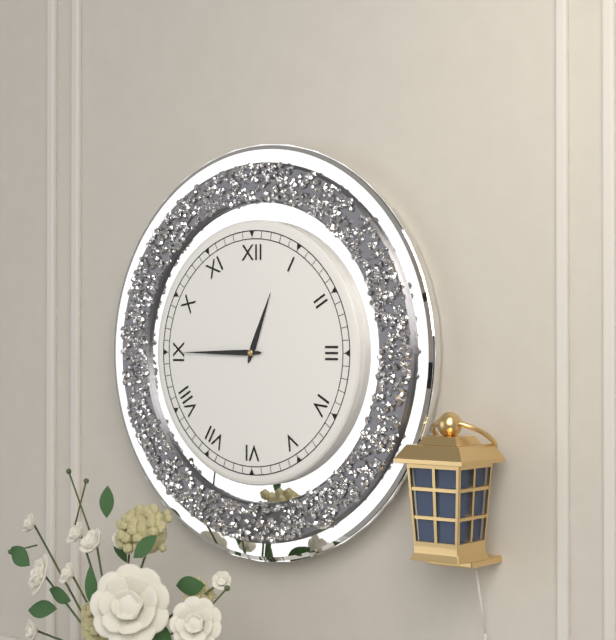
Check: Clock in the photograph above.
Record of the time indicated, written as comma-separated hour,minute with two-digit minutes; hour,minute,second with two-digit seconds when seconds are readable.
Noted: 12,45
